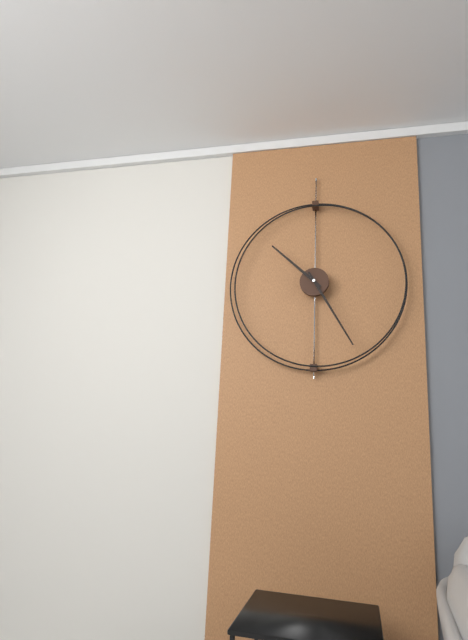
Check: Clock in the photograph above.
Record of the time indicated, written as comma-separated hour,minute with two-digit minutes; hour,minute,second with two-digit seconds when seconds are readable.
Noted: 10,25
